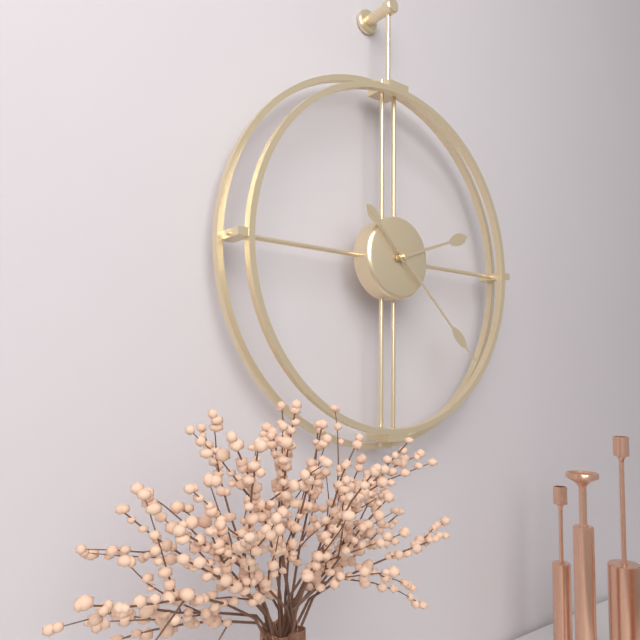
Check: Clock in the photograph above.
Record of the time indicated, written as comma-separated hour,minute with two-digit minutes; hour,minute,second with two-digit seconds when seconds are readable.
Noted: 2,22
